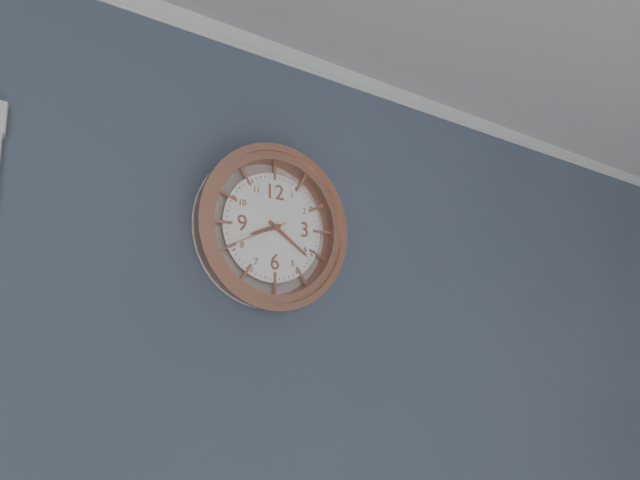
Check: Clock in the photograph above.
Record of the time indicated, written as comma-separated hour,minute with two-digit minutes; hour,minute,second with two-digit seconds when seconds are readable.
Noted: 8,21,41
